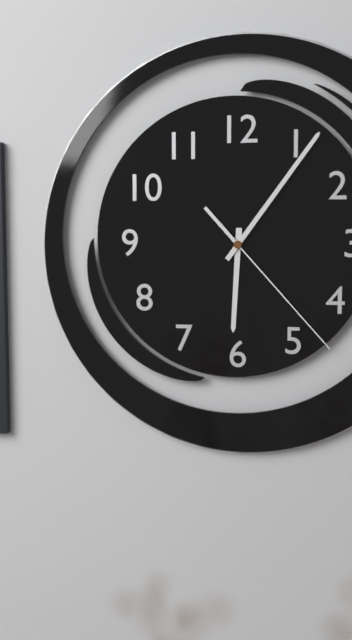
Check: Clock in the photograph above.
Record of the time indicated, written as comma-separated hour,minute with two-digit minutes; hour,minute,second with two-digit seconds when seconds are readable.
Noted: 6,06,23
